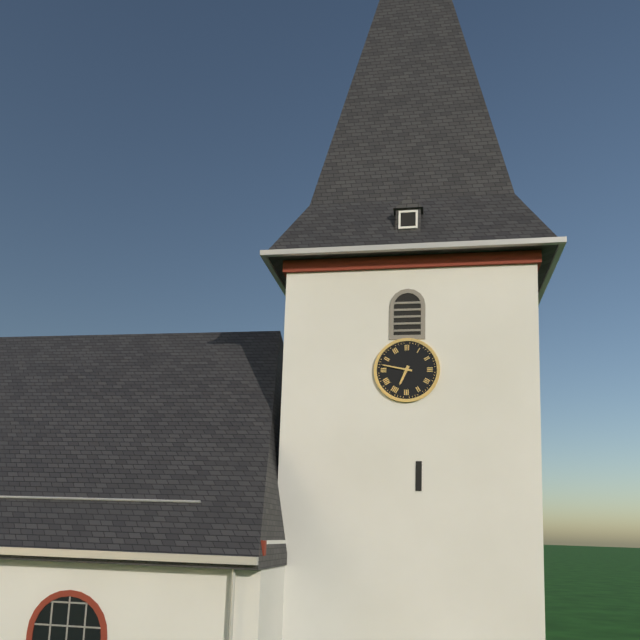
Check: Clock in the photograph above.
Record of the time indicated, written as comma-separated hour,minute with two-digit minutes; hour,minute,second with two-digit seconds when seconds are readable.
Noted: 6,47
